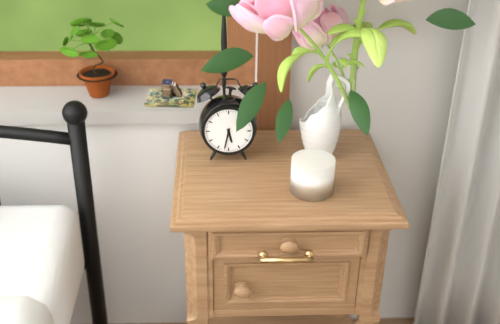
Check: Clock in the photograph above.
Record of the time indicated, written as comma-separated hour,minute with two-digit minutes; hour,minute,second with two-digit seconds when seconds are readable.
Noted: 5,32
